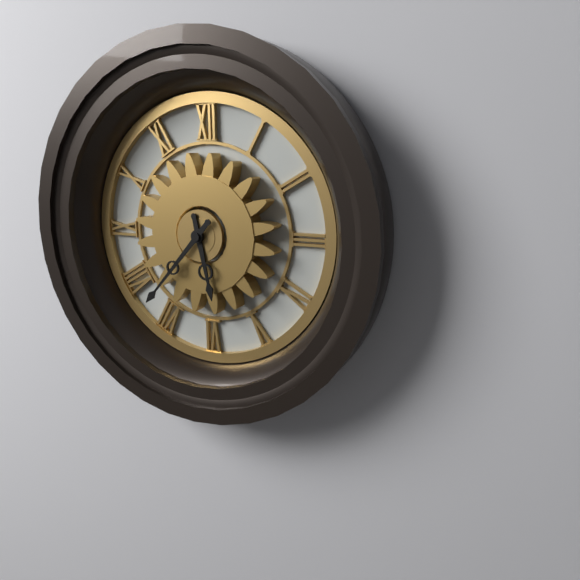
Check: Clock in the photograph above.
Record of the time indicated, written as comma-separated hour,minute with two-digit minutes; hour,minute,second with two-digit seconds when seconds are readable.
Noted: 5,37
